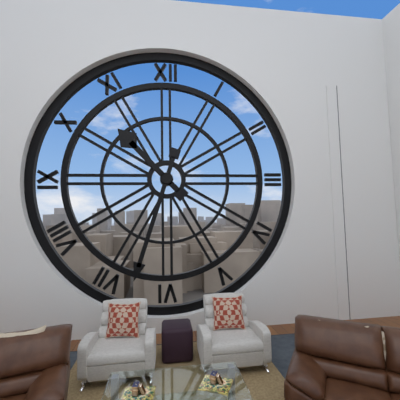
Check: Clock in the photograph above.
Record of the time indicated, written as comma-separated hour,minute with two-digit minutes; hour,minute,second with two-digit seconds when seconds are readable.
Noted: 10,33
